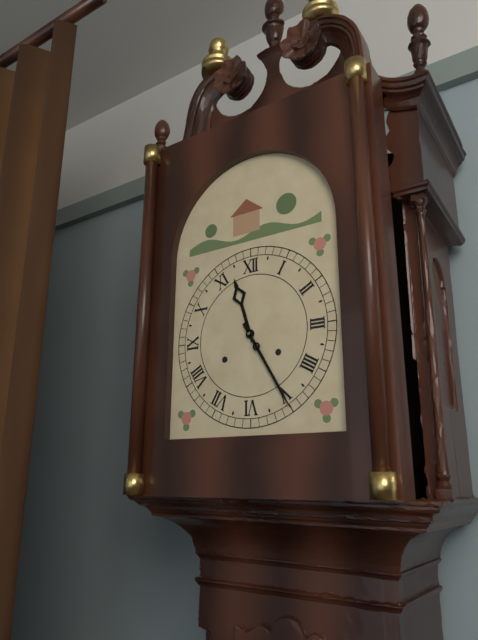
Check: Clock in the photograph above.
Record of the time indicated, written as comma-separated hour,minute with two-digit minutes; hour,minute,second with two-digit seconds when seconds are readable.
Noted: 11,25
